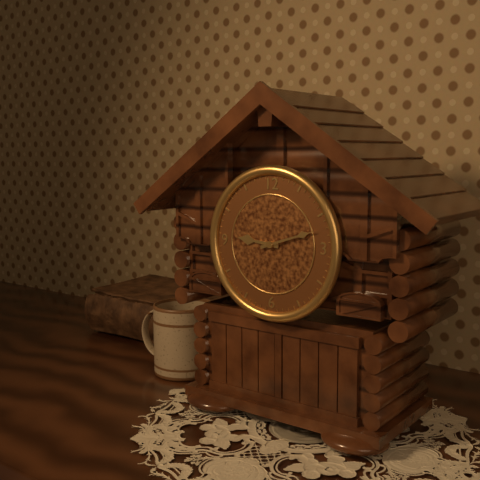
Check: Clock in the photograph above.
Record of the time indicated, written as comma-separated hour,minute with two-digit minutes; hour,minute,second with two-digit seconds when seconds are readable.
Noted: 9,12
